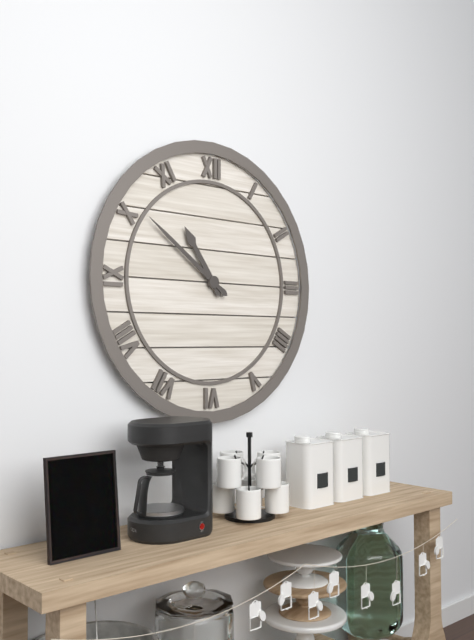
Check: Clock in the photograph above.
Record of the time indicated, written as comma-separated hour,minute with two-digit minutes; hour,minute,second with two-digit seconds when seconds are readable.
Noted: 10,51
